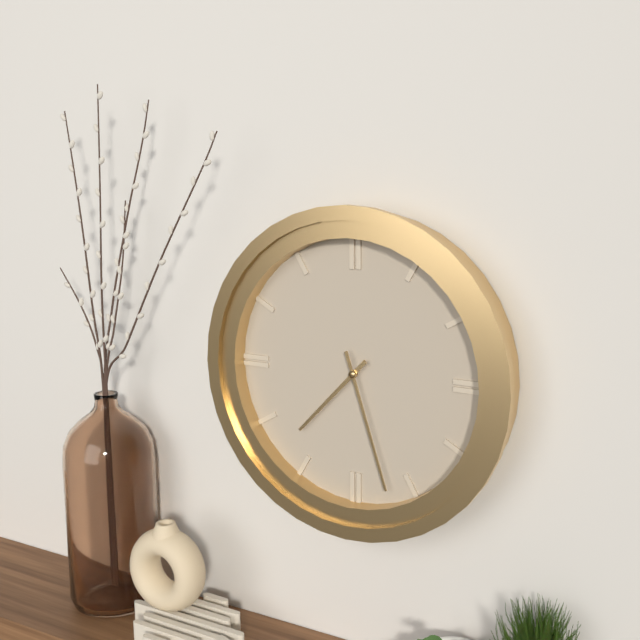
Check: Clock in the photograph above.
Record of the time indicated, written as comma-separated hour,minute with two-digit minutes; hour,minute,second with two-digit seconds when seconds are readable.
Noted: 7,27
